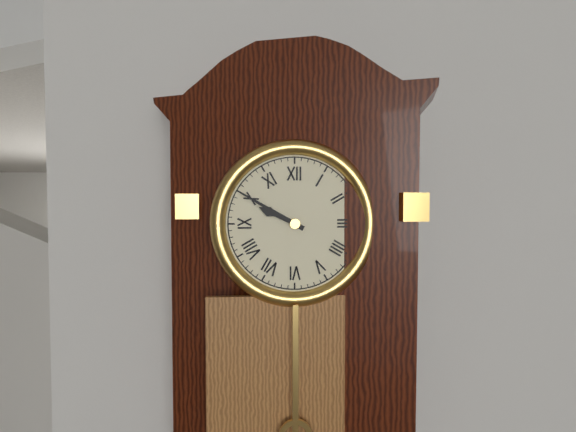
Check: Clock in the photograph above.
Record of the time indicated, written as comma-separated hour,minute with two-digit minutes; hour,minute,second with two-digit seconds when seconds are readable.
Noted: 9,50
